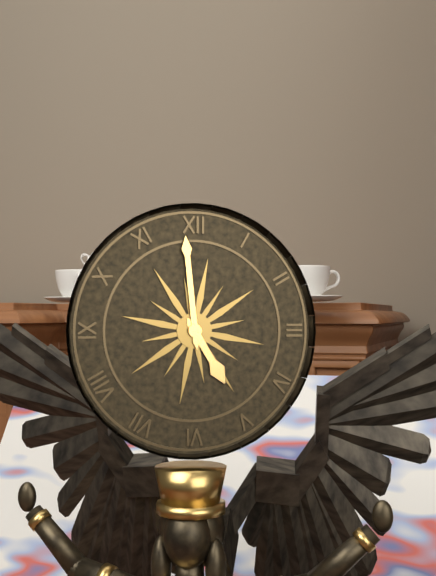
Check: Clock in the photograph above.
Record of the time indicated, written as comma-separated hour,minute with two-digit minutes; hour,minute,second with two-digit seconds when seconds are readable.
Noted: 4,59
